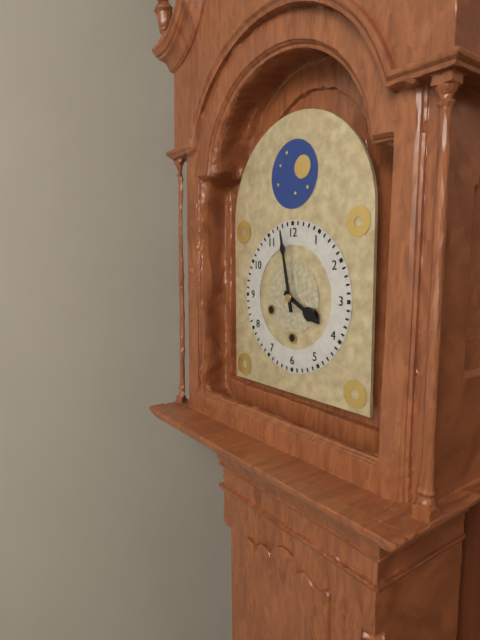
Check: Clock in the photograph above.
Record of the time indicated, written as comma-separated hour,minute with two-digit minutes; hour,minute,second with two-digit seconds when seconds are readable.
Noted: 3,58
